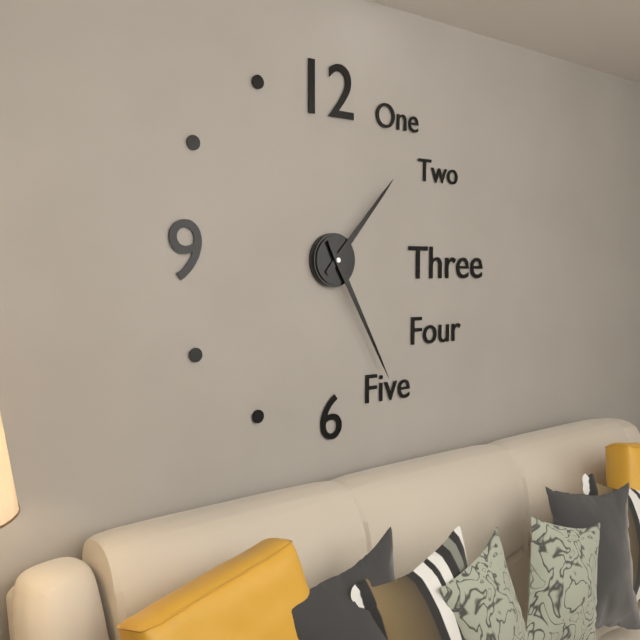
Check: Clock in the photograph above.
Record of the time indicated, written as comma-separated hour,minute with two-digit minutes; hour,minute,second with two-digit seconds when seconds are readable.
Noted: 1,25
